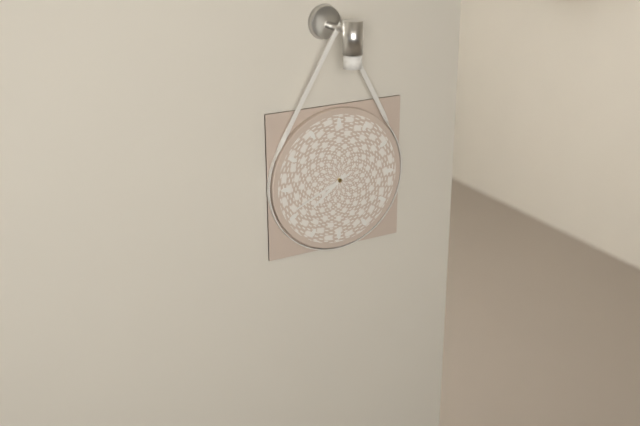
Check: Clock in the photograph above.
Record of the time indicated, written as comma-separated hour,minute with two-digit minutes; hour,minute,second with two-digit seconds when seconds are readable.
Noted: 7,41
